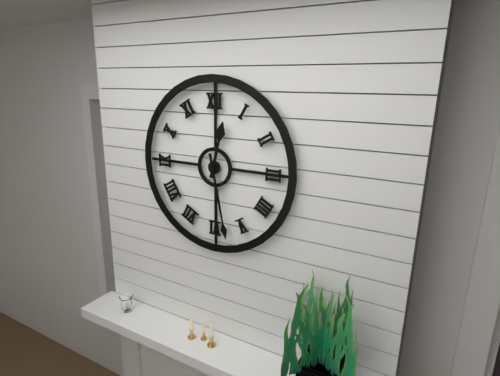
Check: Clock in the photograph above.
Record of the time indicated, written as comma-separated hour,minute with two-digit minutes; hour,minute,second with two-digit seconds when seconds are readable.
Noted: 12,28
